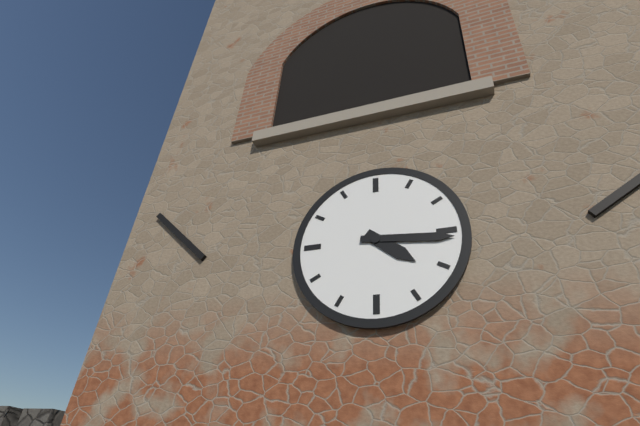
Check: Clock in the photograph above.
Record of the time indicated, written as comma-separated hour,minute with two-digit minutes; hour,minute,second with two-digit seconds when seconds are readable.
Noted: 4,16
